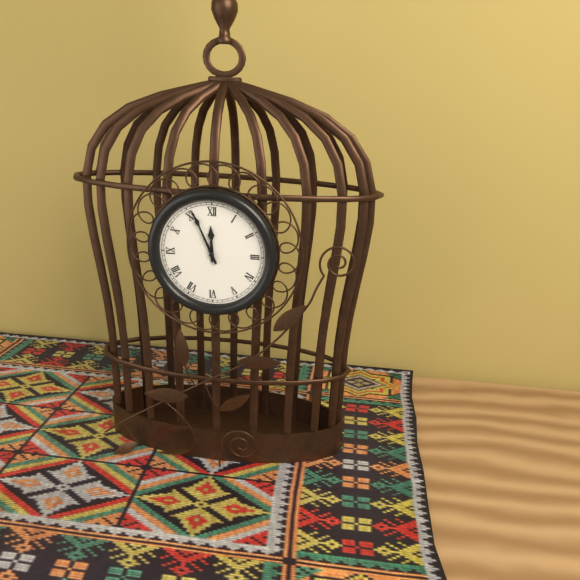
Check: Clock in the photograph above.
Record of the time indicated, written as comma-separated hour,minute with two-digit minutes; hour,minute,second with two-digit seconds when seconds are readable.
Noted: 11,56
